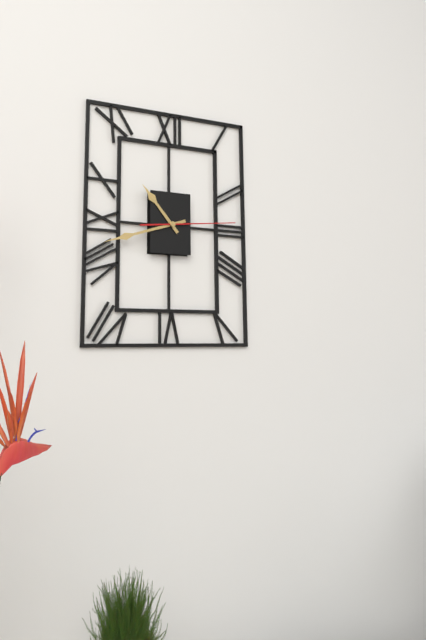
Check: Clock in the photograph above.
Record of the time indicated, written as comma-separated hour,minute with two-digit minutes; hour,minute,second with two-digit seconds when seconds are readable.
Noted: 10,42,14
